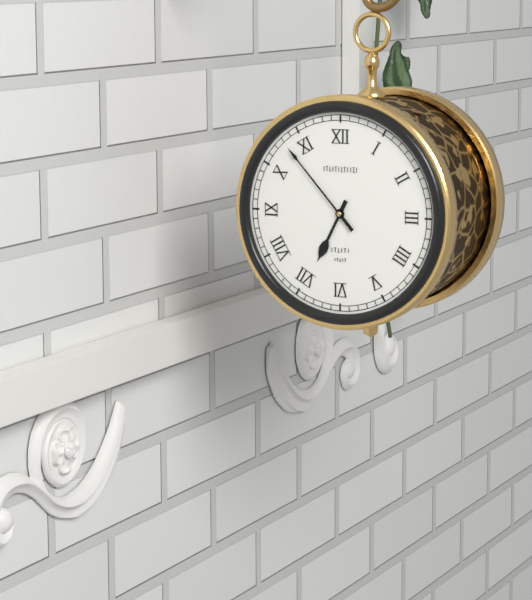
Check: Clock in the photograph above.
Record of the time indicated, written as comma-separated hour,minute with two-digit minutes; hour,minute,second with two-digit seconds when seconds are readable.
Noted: 6,53
